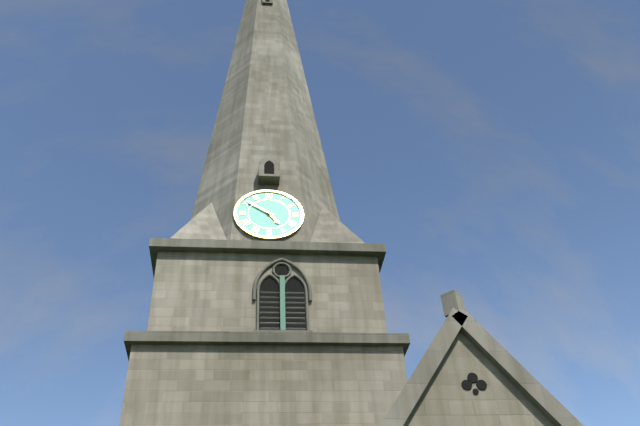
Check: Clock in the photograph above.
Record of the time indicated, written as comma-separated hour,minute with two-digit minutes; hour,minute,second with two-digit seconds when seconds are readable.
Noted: 4,51
